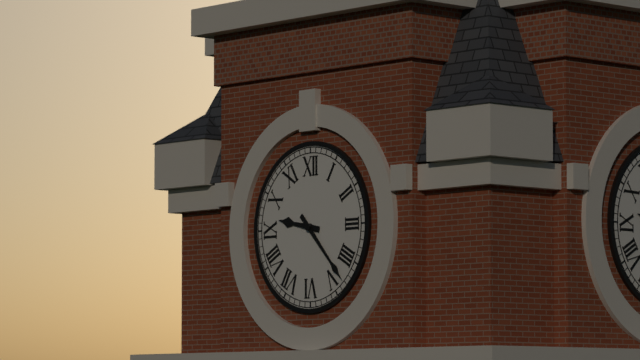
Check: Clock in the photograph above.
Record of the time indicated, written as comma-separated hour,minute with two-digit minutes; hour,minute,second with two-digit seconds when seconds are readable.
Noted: 9,23
